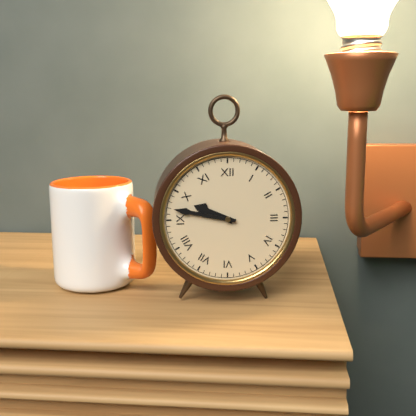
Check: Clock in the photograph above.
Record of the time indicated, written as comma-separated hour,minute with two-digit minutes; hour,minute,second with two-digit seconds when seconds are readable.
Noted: 9,47
